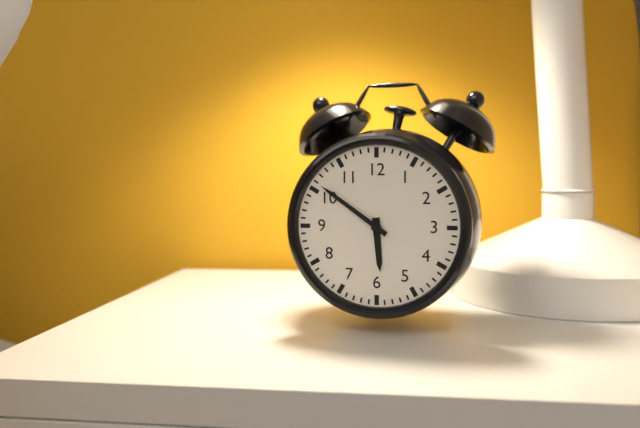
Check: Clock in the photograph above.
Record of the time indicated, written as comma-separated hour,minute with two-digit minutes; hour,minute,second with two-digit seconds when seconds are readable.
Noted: 5,51
